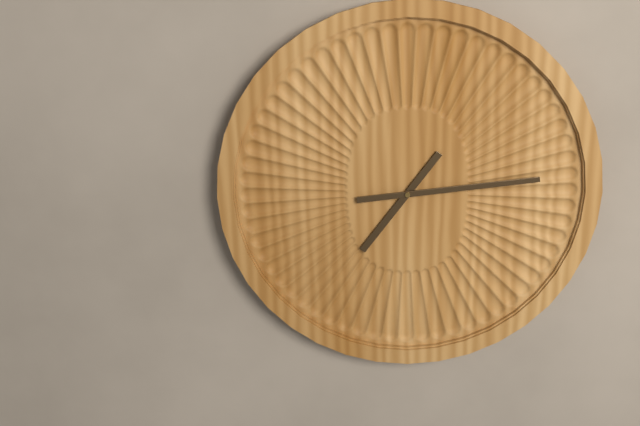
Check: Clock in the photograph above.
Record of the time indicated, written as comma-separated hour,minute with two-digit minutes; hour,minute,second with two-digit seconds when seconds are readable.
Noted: 7,14
